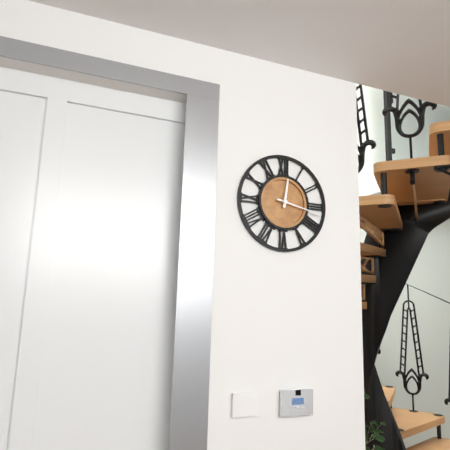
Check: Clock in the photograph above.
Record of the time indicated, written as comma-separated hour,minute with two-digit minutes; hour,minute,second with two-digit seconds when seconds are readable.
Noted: 12,17
